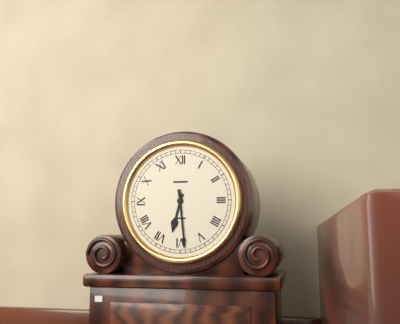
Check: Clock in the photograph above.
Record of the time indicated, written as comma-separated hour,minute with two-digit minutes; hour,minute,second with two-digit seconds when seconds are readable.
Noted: 6,29
